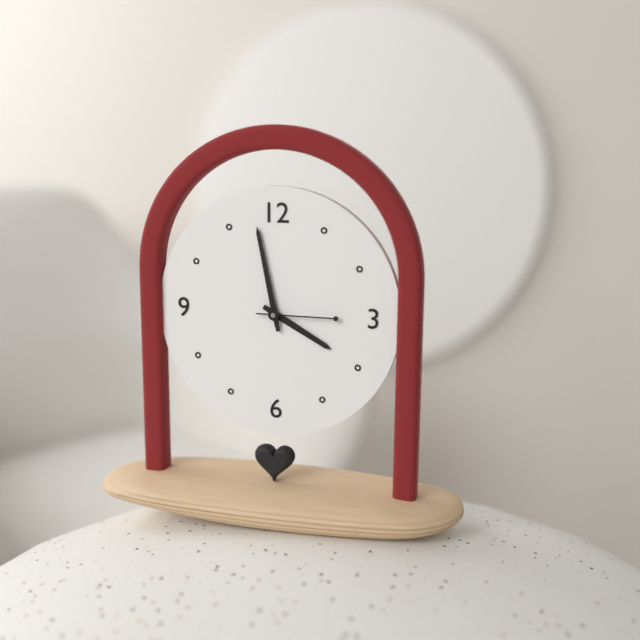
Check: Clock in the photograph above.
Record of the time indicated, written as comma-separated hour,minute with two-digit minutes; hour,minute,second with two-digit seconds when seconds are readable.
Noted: 3,58,15
